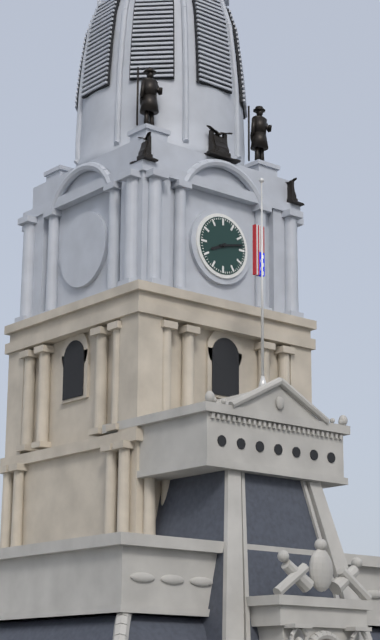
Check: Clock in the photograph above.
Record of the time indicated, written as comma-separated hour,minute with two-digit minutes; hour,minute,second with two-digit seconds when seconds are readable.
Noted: 8,13
